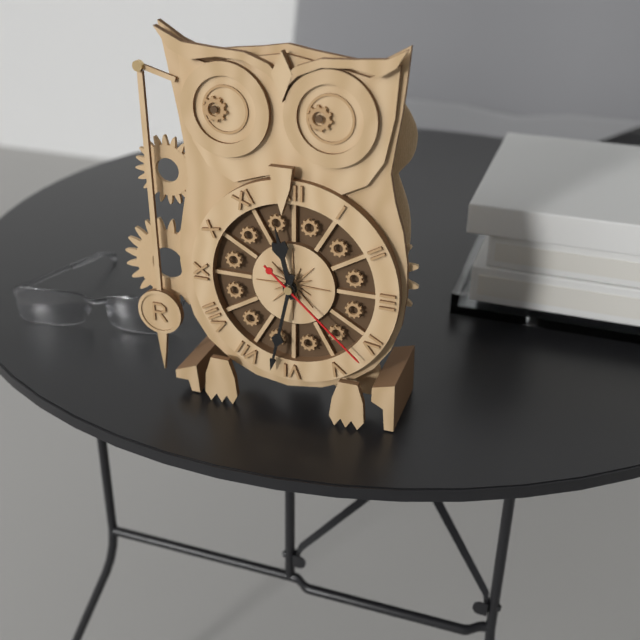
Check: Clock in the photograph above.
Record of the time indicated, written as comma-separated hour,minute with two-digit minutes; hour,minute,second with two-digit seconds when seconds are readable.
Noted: 11,32,22
